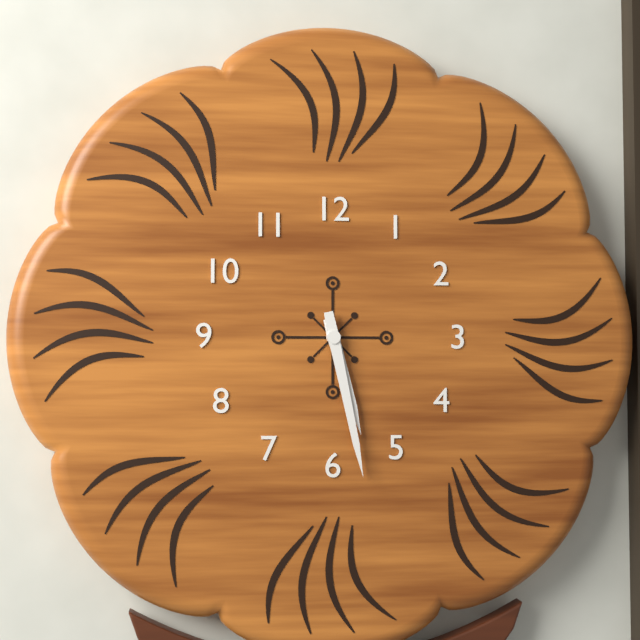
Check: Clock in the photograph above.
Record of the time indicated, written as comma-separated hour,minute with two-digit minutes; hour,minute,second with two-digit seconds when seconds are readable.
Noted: 5,28
